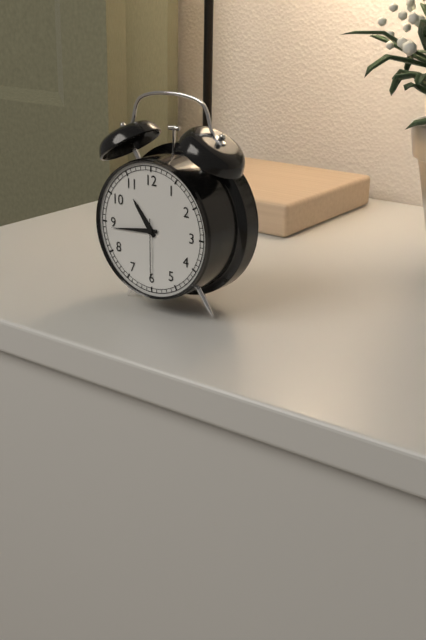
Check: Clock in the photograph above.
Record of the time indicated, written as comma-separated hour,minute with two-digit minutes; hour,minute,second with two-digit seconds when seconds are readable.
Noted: 10,44,30
